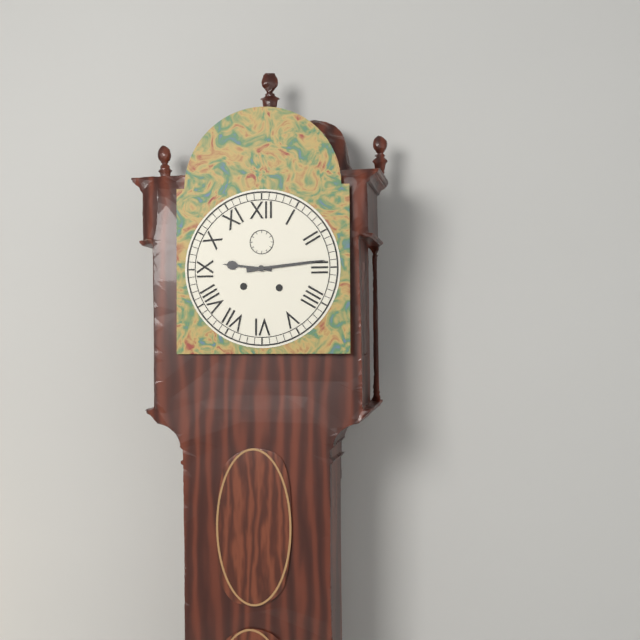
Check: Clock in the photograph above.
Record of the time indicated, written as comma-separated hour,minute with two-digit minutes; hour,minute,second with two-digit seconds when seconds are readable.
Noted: 9,14
